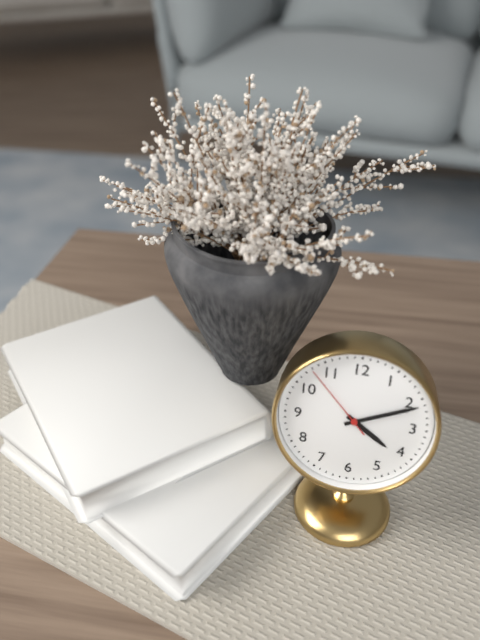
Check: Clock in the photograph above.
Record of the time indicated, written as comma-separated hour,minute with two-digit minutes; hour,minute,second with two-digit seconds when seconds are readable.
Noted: 4,11,53
